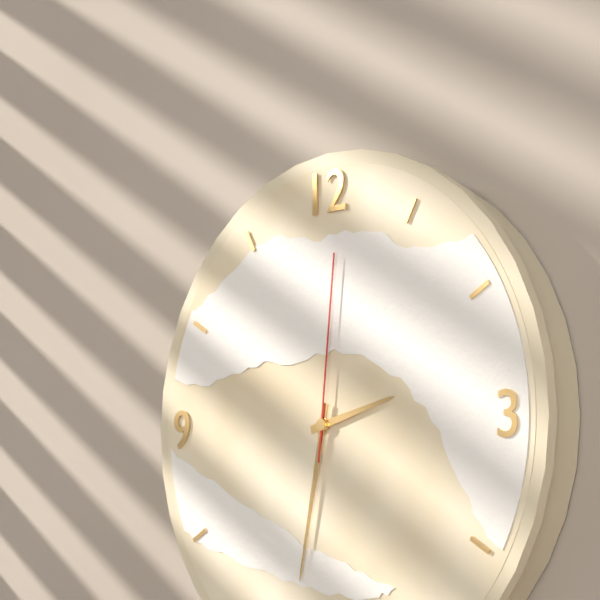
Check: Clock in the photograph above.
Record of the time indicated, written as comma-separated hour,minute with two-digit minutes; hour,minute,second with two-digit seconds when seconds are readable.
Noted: 2,32,01
